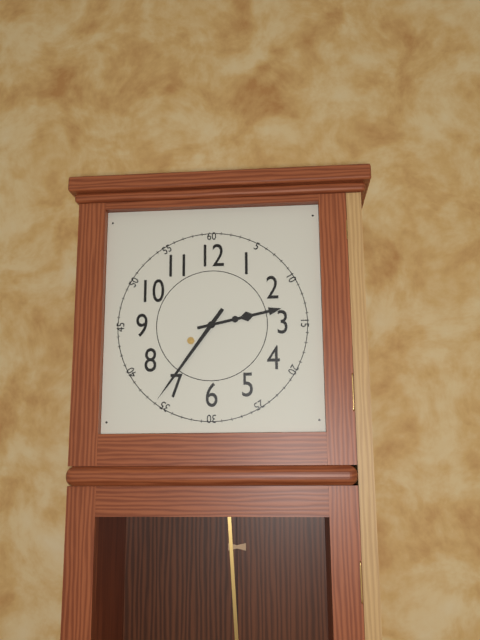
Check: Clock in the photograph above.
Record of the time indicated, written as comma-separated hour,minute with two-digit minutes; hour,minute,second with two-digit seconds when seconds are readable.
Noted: 2,36
